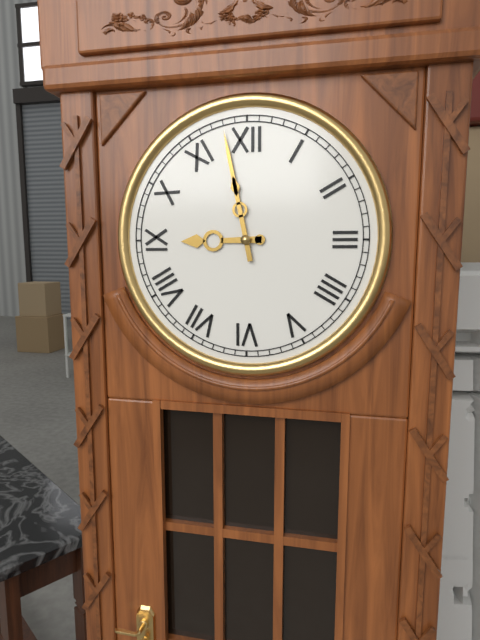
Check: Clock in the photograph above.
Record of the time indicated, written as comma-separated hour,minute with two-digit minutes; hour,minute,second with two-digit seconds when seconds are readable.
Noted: 8,58
